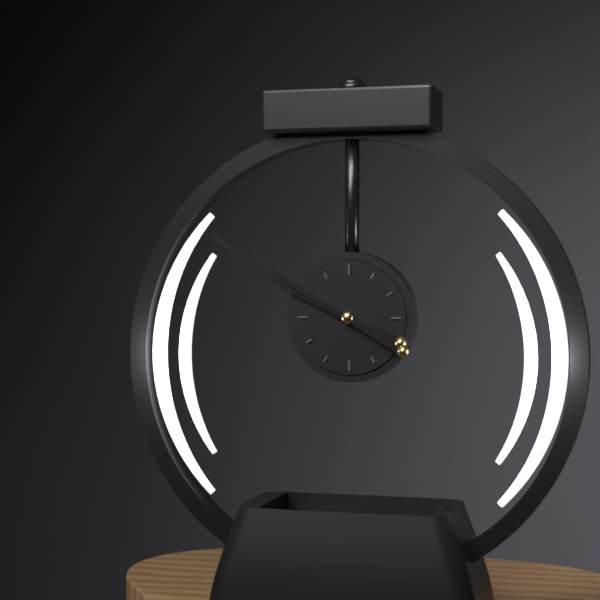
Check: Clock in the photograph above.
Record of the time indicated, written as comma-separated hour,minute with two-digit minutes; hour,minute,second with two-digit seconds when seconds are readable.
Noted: 9,50
